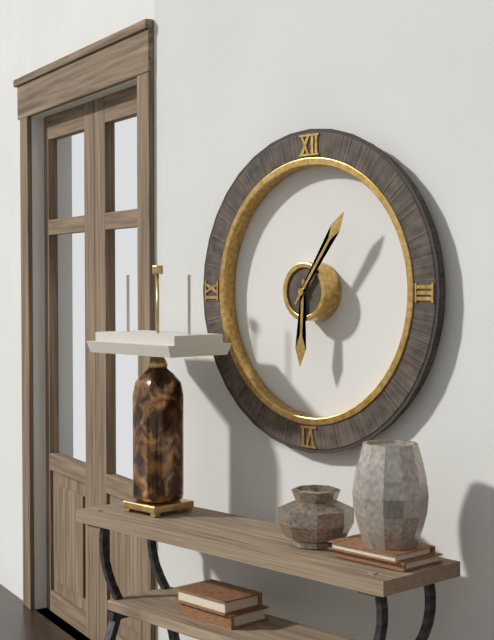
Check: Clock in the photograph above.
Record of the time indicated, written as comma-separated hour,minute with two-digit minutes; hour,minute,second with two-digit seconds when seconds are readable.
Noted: 6,06
